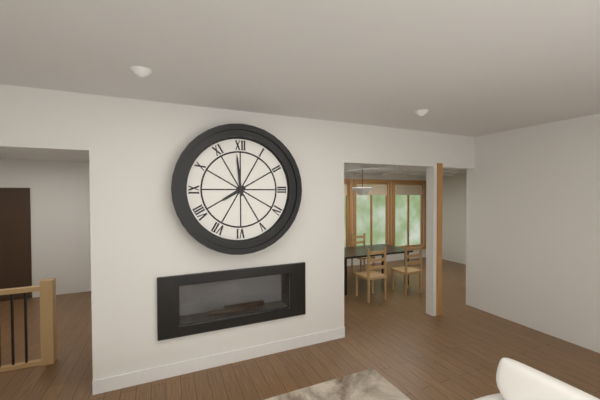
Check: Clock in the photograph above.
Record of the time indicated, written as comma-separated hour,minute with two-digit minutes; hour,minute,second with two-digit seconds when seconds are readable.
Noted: 7,59
